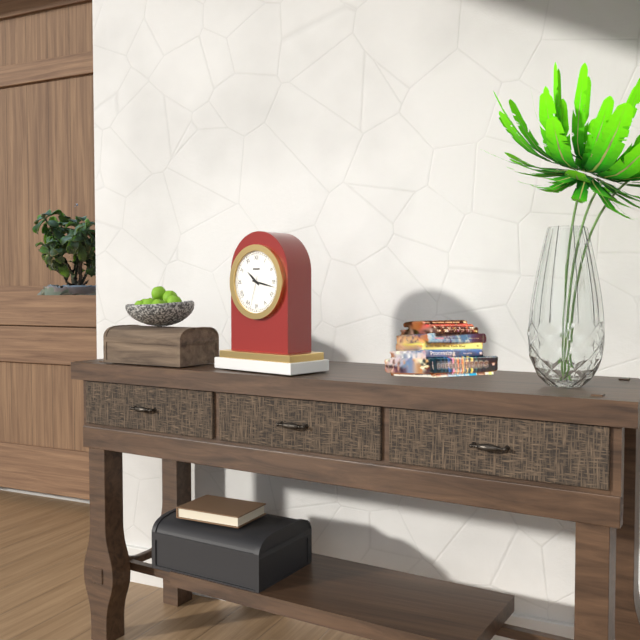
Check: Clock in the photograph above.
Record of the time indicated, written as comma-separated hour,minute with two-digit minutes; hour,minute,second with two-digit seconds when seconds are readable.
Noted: 10,17
